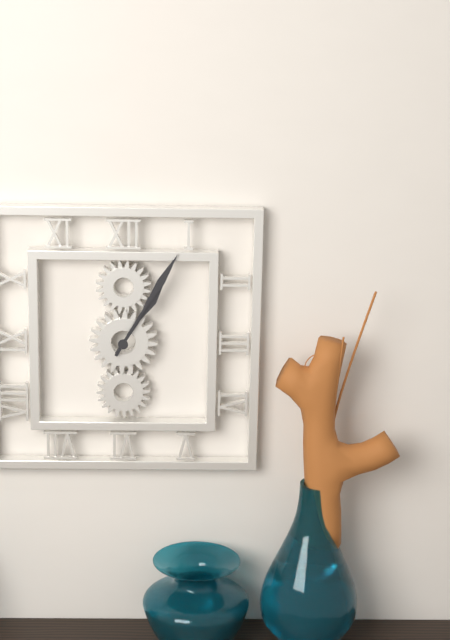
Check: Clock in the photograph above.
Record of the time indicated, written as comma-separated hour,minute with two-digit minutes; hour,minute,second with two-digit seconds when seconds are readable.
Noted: 1,05
